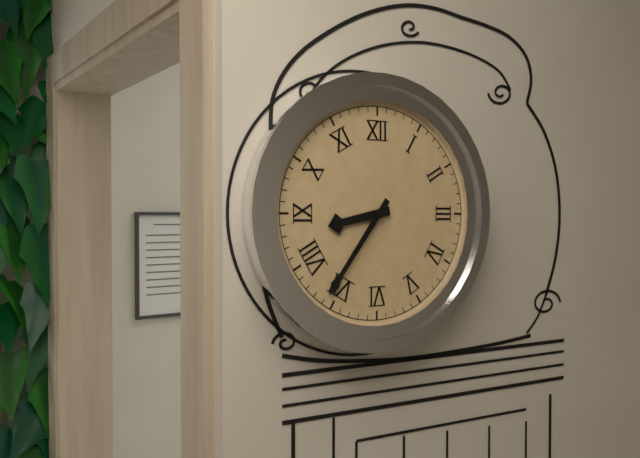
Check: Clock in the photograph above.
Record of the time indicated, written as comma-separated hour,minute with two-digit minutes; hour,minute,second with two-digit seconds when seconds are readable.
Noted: 8,36
